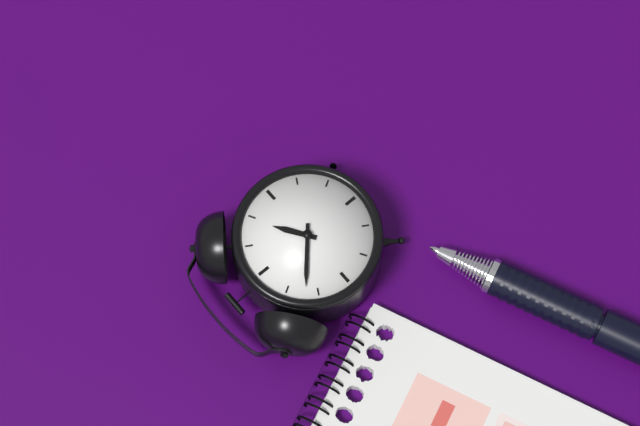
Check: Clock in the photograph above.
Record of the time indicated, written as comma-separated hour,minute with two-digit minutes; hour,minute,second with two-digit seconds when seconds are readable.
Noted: 1,52
